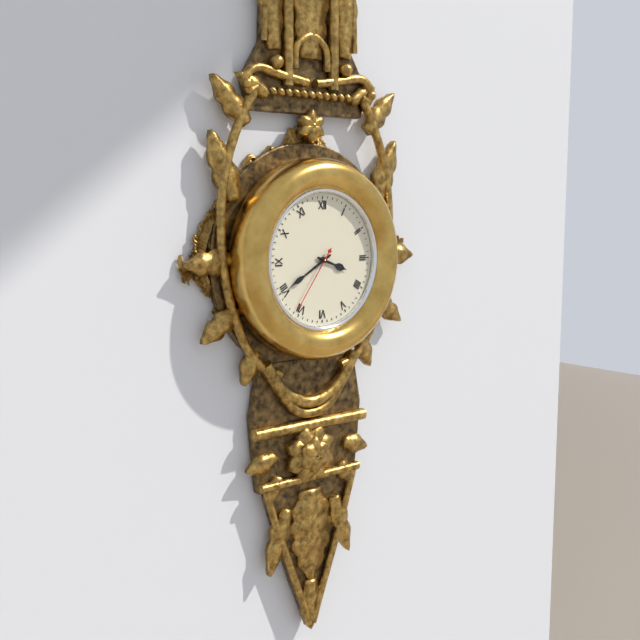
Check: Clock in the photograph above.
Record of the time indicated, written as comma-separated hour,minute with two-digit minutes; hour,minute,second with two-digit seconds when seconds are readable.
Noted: 3,40,36
